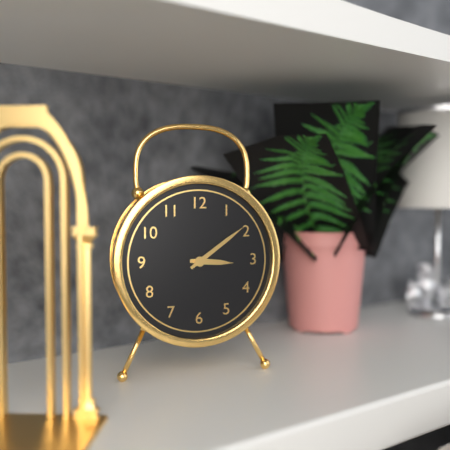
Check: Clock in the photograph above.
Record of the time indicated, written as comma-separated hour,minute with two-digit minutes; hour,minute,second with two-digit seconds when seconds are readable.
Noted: 3,09
